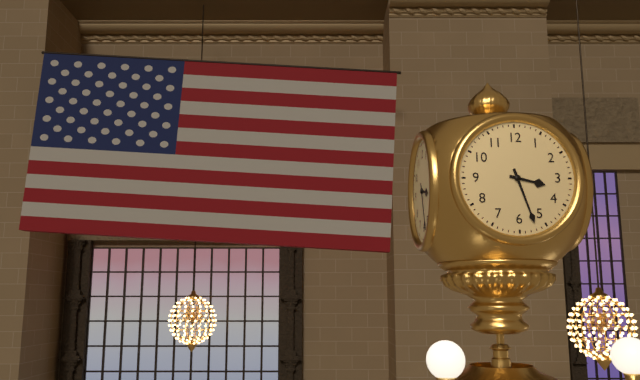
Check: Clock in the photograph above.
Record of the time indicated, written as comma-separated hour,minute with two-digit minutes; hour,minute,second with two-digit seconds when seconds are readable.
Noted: 3,27
